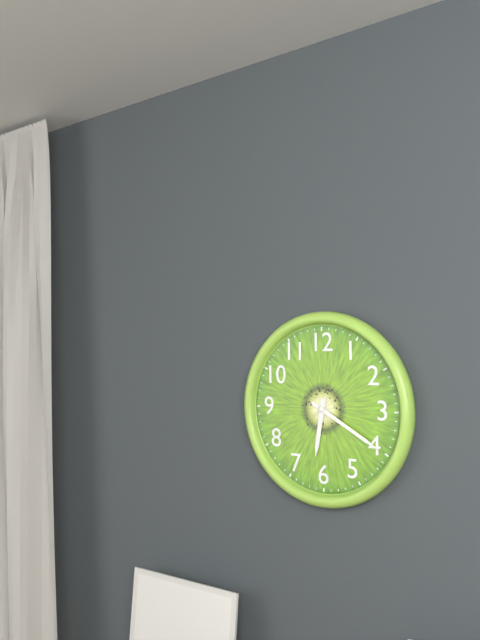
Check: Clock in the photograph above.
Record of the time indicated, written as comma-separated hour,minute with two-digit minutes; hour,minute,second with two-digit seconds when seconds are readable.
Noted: 6,20
